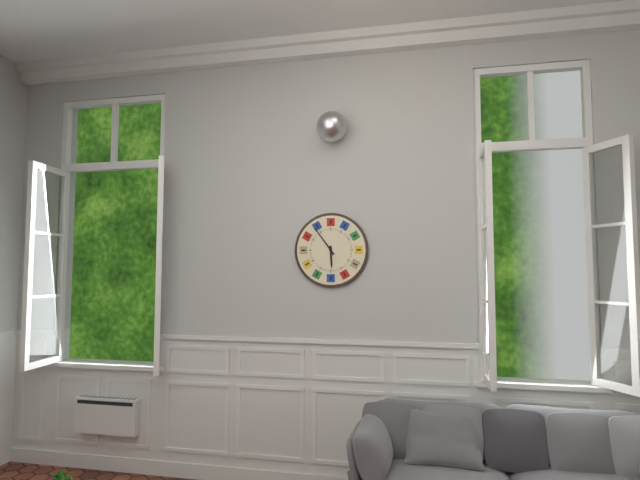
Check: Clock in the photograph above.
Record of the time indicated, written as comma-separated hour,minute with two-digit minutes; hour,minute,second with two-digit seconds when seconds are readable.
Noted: 5,54
